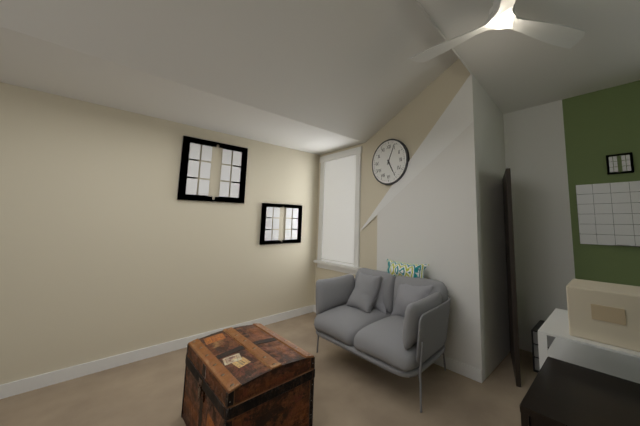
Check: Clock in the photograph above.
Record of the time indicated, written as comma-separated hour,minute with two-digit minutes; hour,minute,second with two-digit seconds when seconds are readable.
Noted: 5,04
